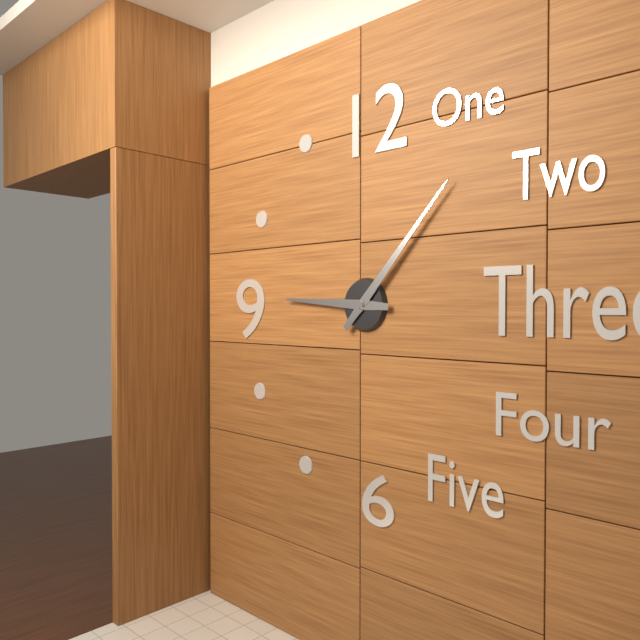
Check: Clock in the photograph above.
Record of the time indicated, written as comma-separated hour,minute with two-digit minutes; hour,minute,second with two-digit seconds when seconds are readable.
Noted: 9,07
